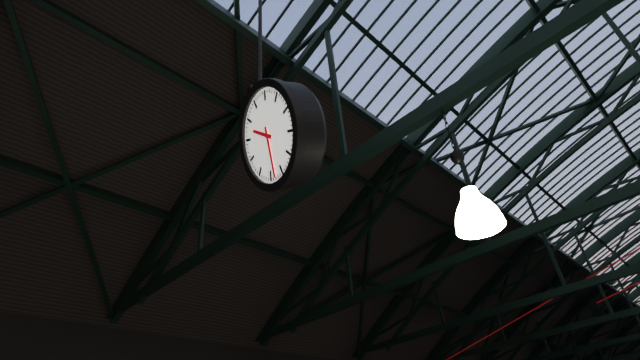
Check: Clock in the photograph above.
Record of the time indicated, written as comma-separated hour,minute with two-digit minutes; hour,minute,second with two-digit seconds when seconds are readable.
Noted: 10,33
